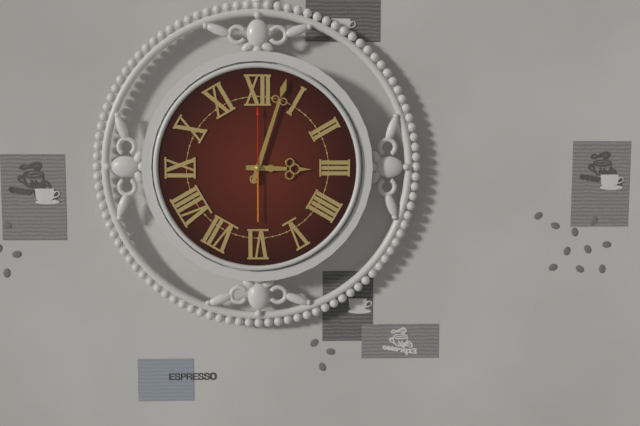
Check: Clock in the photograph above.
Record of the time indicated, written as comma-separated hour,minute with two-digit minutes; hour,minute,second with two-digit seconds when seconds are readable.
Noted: 3,03,00
